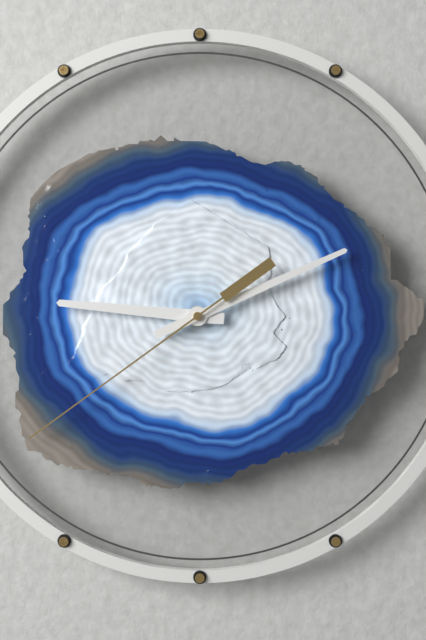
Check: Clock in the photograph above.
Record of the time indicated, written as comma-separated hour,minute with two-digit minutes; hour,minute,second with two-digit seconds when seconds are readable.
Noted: 9,11,39
